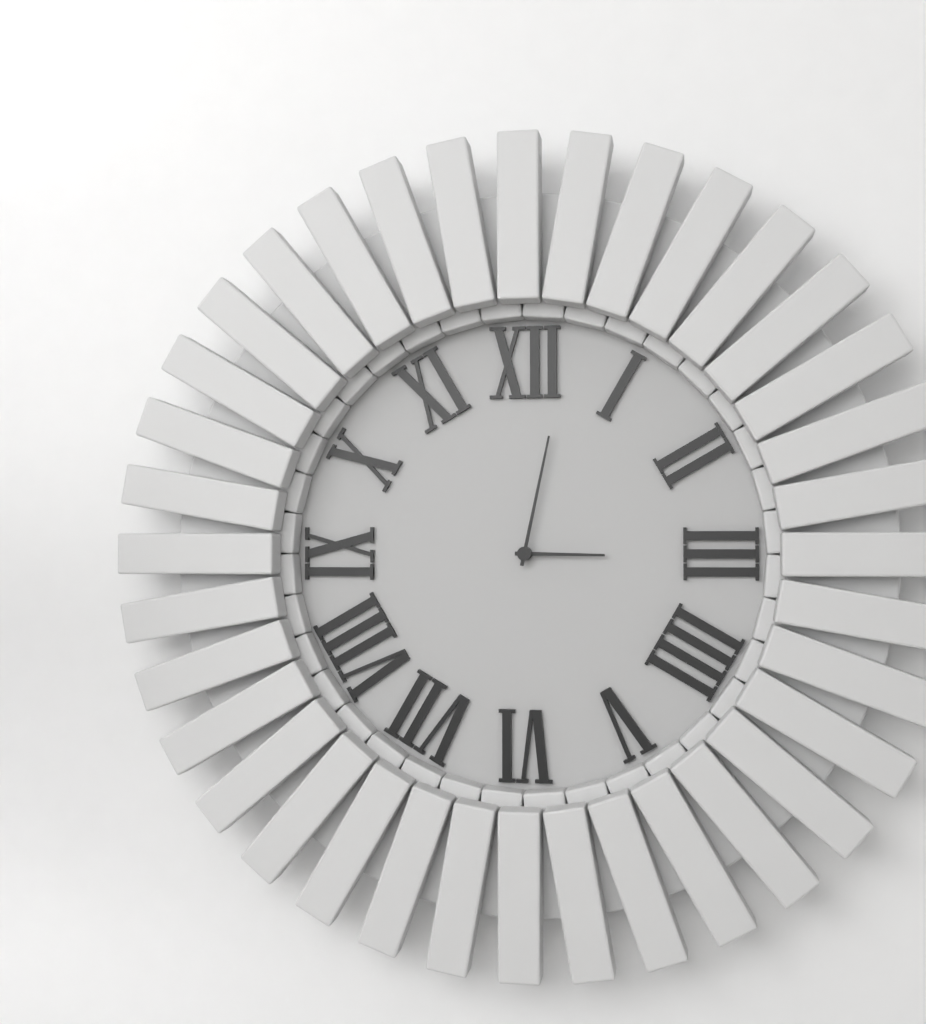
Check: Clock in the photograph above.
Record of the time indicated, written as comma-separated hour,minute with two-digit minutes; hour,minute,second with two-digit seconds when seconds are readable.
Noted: 3,02
